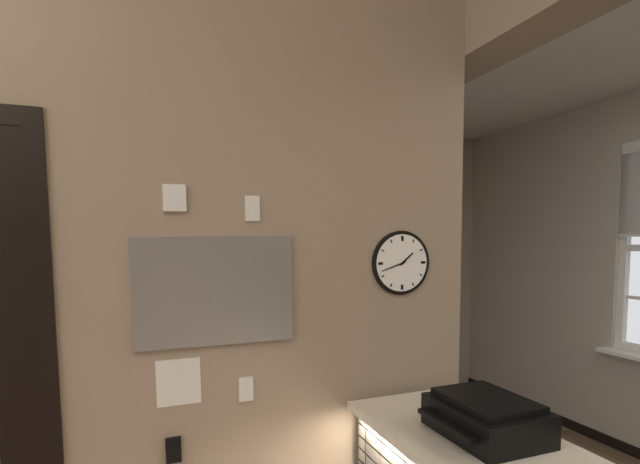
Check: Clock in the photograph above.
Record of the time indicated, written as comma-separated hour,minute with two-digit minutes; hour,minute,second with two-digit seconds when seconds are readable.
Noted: 1,42
